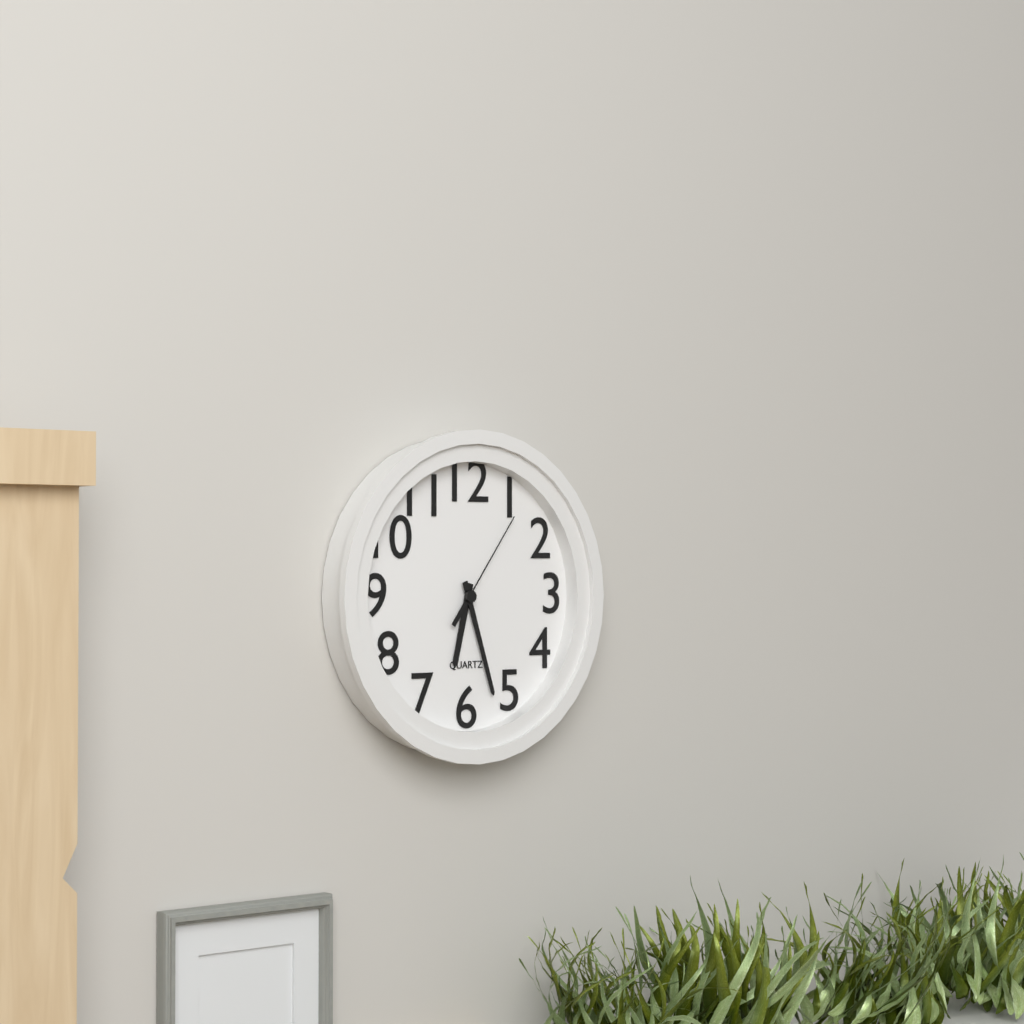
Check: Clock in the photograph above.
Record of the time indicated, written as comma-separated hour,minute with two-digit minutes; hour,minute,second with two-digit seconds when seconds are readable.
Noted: 6,27,06
